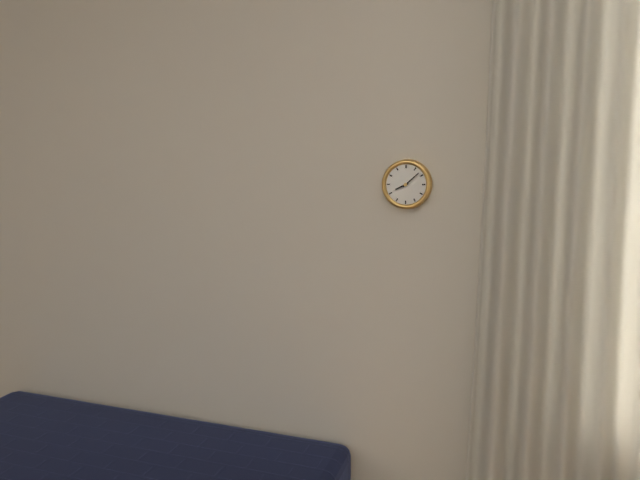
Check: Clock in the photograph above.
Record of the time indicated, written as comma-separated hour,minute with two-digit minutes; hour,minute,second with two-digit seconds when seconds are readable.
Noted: 8,08
